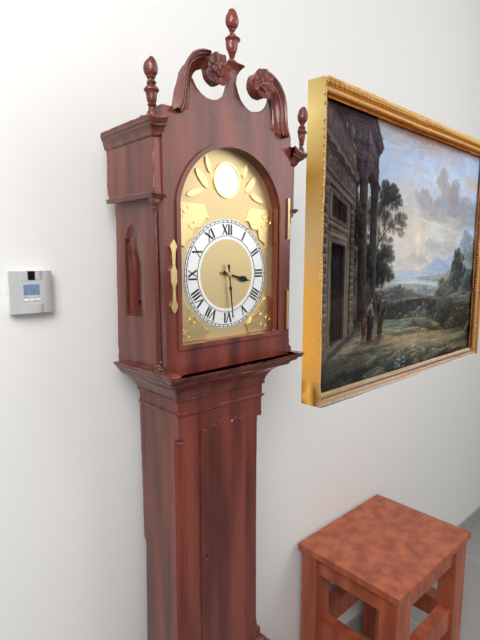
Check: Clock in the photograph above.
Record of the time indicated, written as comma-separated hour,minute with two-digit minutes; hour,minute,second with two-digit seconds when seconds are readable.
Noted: 3,29
